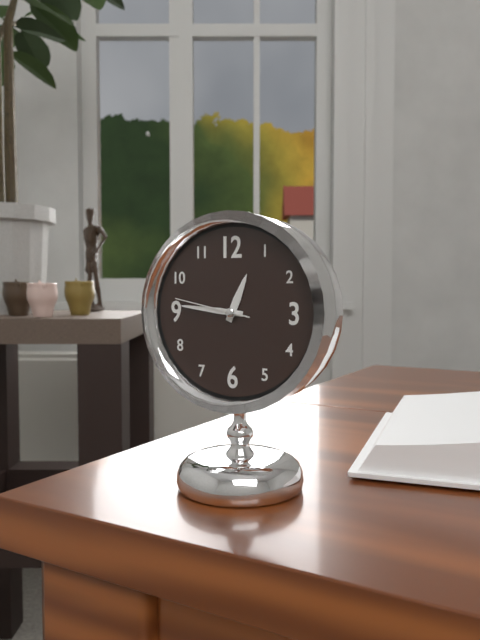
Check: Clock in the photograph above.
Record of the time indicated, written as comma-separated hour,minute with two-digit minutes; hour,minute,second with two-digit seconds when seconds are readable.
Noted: 12,46,47
